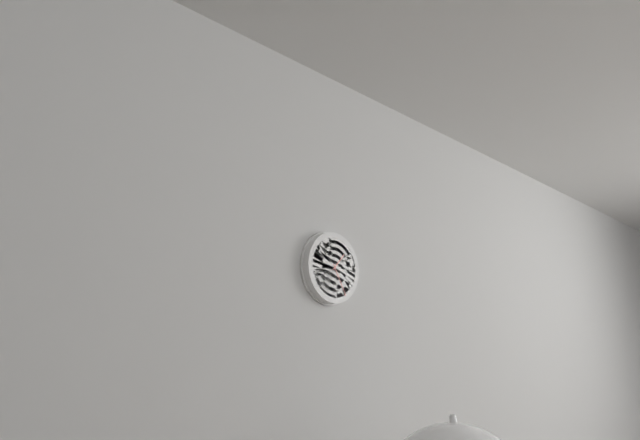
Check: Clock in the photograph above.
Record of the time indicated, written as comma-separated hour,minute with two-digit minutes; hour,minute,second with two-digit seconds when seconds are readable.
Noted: 1,25
